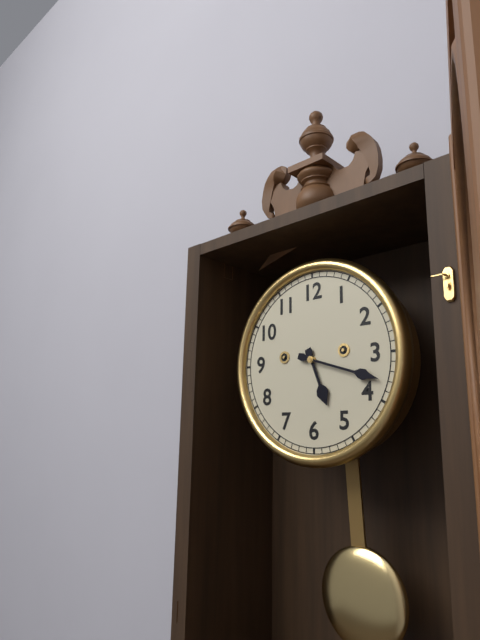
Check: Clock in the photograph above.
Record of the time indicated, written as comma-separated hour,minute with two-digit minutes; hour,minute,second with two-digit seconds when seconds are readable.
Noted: 5,18
